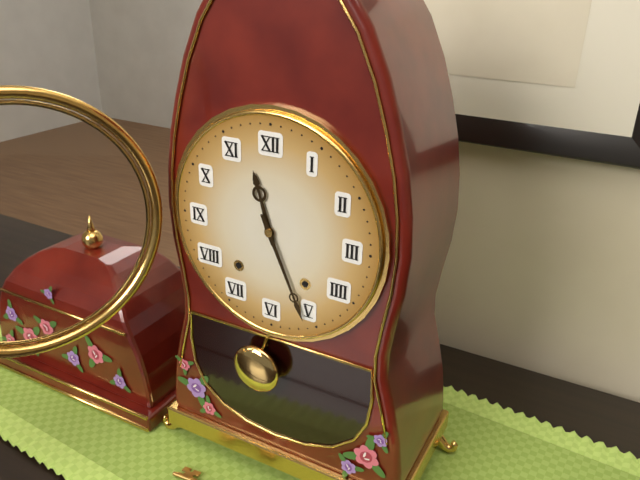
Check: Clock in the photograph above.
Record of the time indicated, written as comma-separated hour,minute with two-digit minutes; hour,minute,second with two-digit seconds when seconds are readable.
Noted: 11,26
